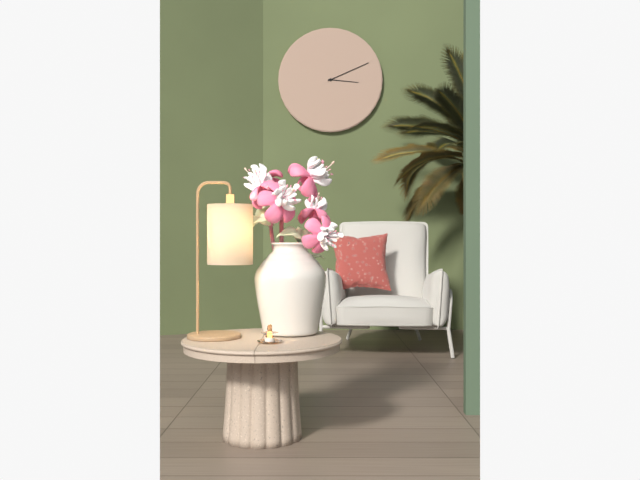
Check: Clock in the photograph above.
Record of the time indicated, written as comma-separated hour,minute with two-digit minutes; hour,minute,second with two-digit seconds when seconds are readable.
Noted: 3,11
